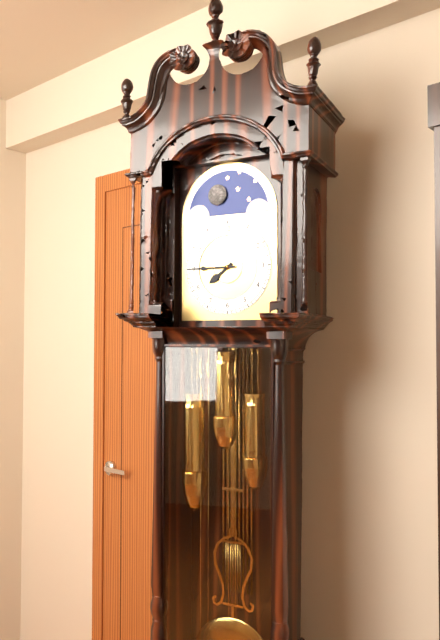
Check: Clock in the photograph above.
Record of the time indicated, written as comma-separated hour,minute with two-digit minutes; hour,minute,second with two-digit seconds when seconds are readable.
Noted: 7,45
